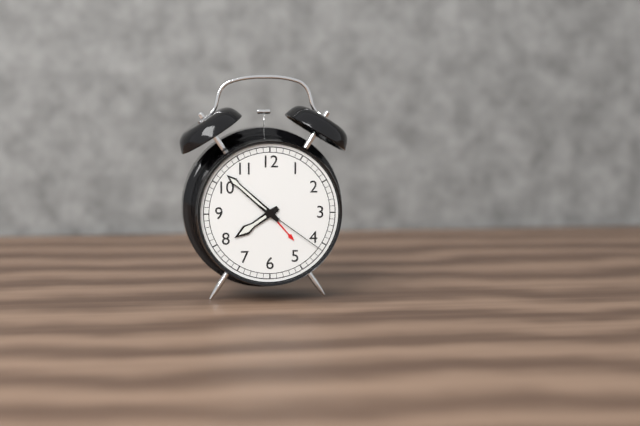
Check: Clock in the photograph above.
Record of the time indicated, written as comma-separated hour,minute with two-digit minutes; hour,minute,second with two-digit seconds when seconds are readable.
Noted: 7,52,21
